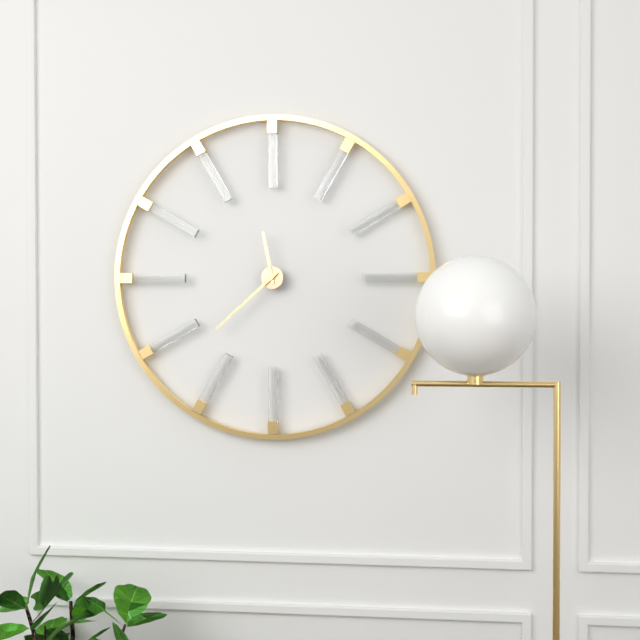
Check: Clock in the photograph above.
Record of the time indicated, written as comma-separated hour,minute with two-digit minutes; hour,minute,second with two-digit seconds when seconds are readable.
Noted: 11,38
